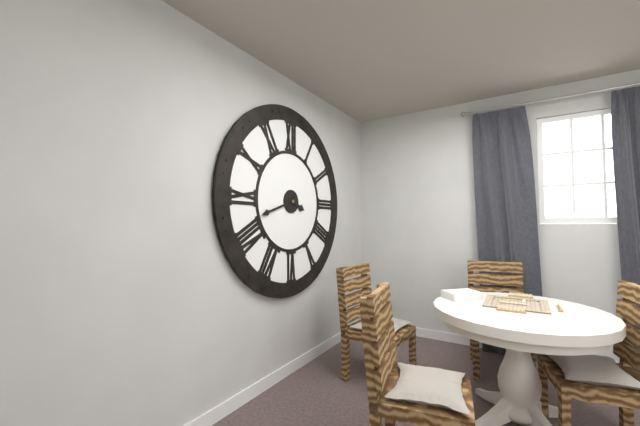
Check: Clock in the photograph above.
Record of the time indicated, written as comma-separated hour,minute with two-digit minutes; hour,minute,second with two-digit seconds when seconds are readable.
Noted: 3,42
